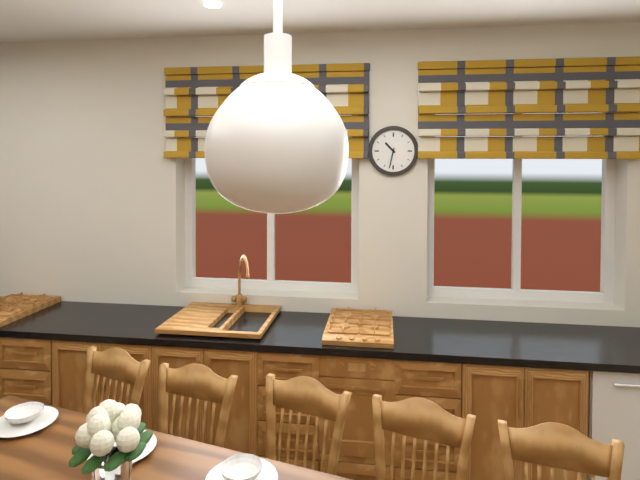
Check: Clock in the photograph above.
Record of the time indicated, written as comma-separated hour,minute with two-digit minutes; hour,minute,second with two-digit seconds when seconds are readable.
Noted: 10,32
